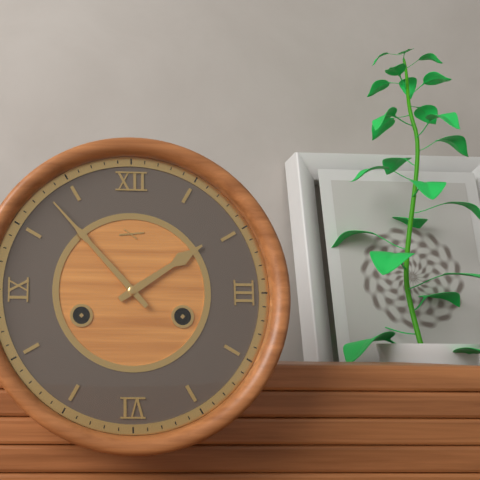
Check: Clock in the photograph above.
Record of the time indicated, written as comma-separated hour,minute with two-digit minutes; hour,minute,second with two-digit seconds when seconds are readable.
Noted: 1,53
